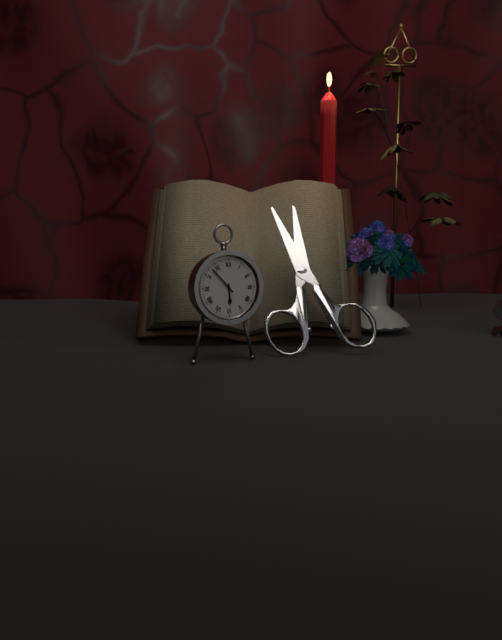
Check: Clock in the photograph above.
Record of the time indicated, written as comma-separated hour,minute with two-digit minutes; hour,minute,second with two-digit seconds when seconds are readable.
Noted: 5,53
